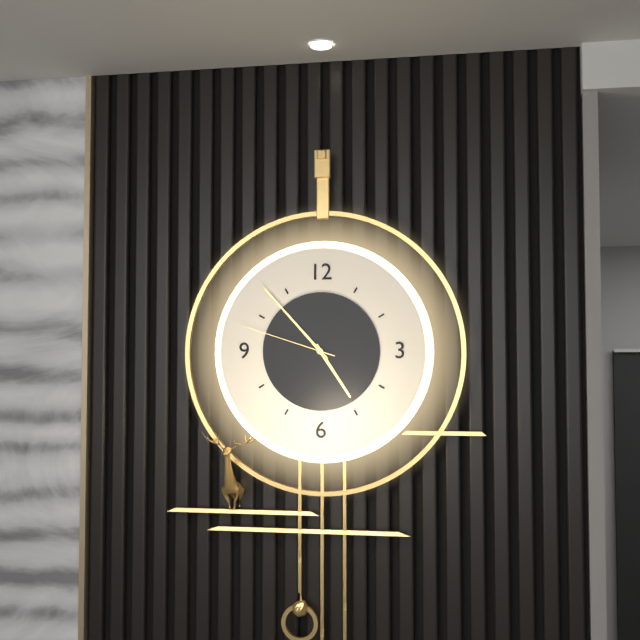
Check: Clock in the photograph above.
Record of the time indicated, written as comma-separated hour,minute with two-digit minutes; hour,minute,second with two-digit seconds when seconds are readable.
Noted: 4,53,48
